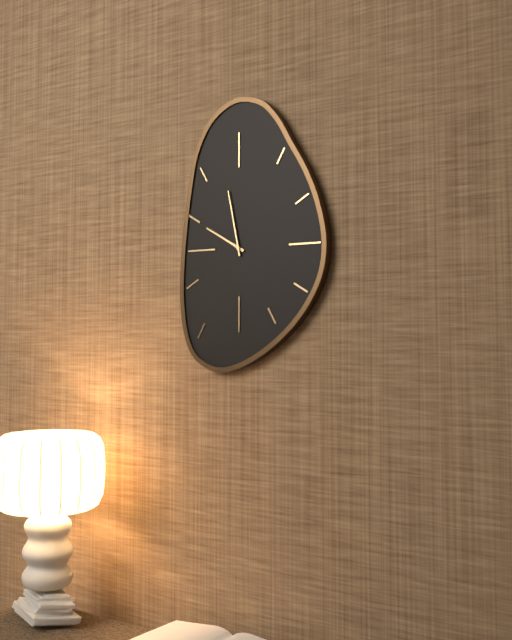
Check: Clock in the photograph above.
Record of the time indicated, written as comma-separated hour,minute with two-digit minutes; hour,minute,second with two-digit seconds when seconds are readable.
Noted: 9,58
